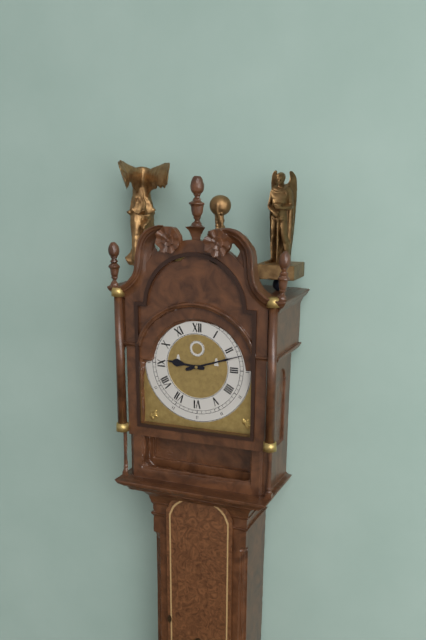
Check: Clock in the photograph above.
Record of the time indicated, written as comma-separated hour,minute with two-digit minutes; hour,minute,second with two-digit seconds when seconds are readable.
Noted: 9,12
